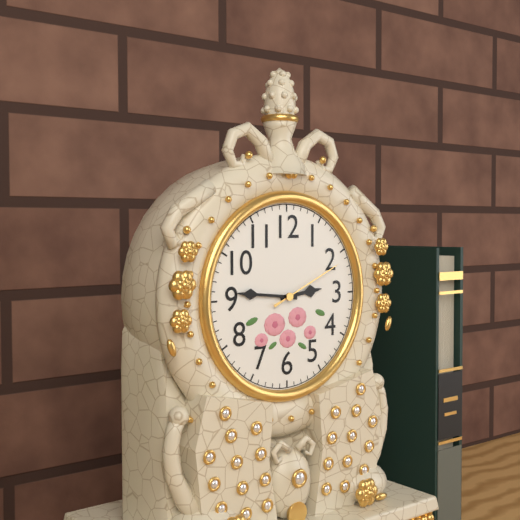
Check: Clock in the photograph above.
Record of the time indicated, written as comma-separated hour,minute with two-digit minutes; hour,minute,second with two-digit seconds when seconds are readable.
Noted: 2,46,11
